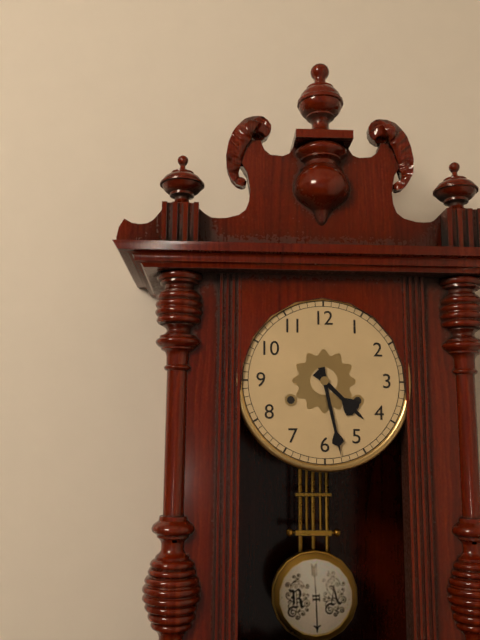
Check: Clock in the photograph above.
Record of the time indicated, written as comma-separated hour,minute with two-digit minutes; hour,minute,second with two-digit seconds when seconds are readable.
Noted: 4,28
